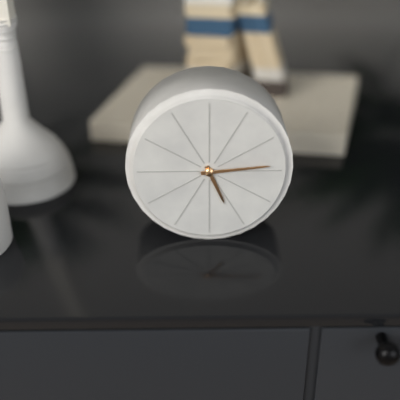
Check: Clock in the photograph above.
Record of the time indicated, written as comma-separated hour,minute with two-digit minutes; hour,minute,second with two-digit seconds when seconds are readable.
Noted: 5,14
